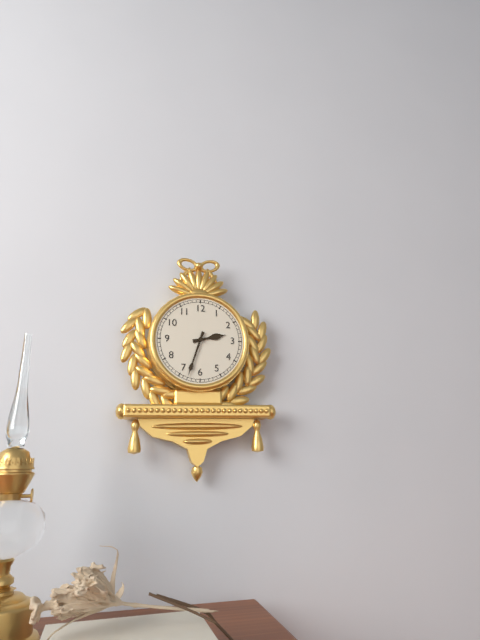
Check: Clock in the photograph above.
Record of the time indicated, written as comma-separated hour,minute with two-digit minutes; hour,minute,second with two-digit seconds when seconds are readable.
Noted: 2,33
